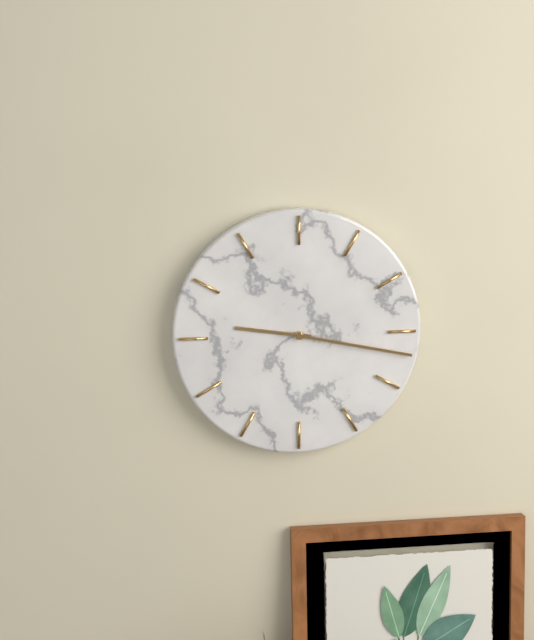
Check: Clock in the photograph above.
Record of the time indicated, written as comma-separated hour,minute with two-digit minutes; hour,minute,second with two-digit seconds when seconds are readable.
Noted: 9,17
